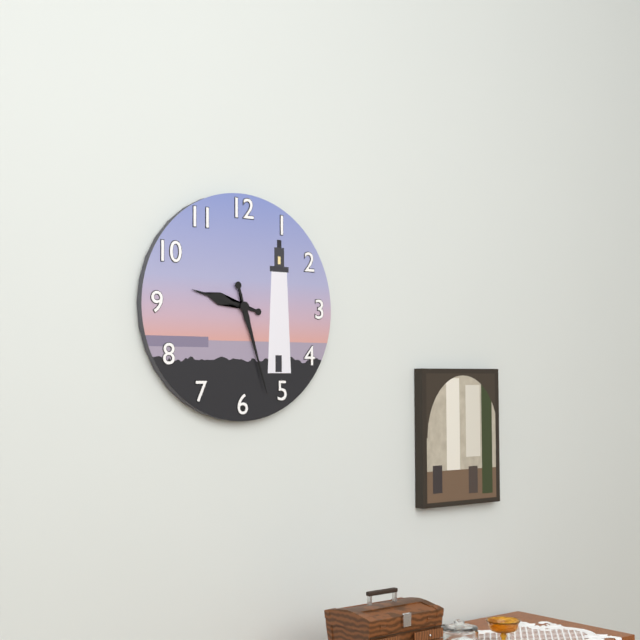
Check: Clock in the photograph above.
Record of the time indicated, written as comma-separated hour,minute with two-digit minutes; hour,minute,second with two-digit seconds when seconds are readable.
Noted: 9,27
